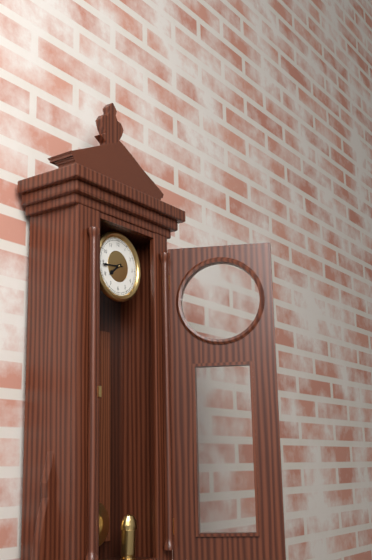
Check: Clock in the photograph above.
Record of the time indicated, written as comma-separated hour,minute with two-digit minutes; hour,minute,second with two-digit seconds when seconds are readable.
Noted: 7,44
